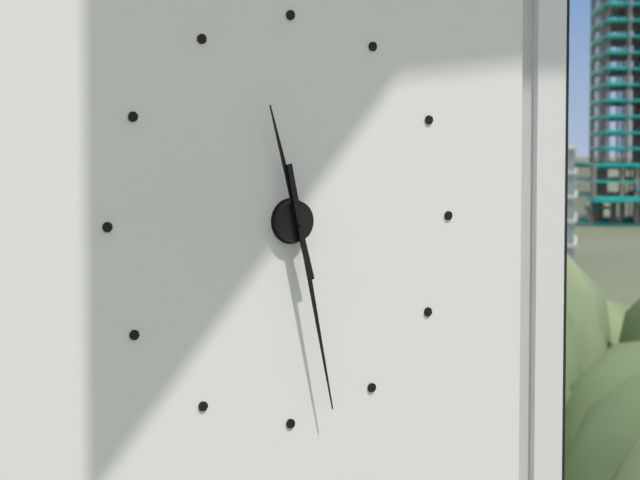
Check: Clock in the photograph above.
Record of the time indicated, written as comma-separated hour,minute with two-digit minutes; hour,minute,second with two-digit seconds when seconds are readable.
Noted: 11,28
